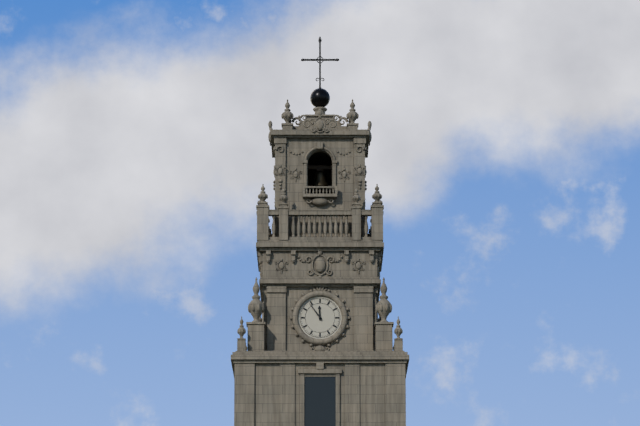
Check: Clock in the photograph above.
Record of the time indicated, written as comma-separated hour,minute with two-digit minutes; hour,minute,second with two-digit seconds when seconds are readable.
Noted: 11,54
